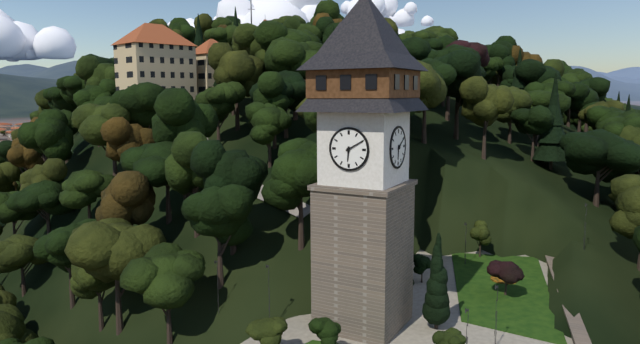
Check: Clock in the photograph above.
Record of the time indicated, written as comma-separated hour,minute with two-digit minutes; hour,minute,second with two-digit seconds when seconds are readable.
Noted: 6,10
